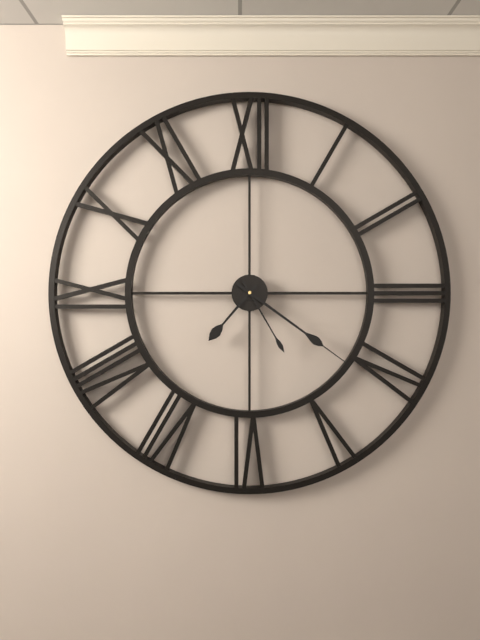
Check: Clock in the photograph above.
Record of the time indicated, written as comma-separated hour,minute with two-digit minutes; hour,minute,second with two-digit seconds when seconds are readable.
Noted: 7,21,25
